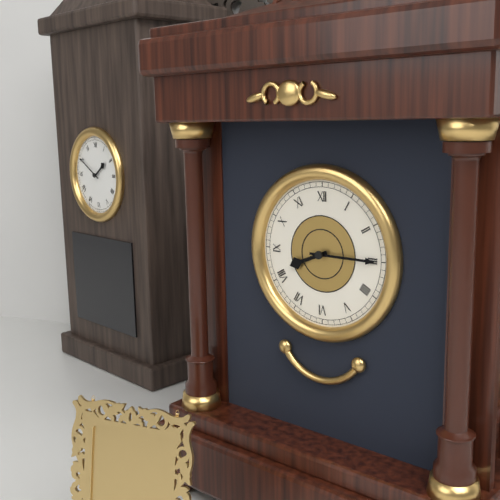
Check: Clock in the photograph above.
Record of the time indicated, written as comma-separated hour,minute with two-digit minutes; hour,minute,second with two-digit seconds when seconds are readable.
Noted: 8,15
